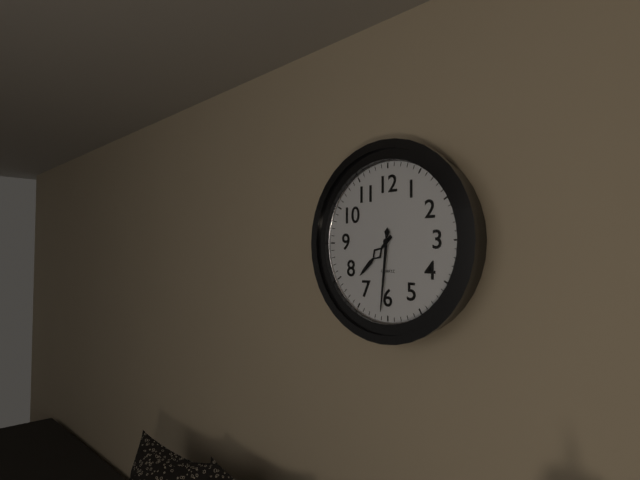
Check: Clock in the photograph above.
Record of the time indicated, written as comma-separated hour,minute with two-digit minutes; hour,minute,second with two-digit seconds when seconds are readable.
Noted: 7,31
